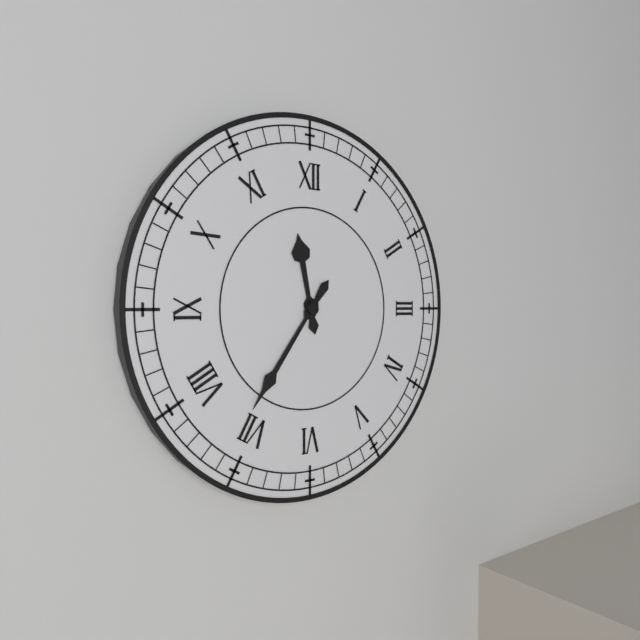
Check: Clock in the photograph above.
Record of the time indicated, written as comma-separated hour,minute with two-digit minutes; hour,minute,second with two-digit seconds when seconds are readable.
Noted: 11,36
